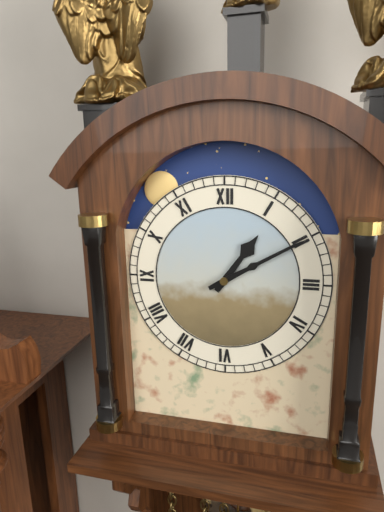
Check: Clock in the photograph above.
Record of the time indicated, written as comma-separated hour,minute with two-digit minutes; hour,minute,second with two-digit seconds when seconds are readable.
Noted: 1,10
